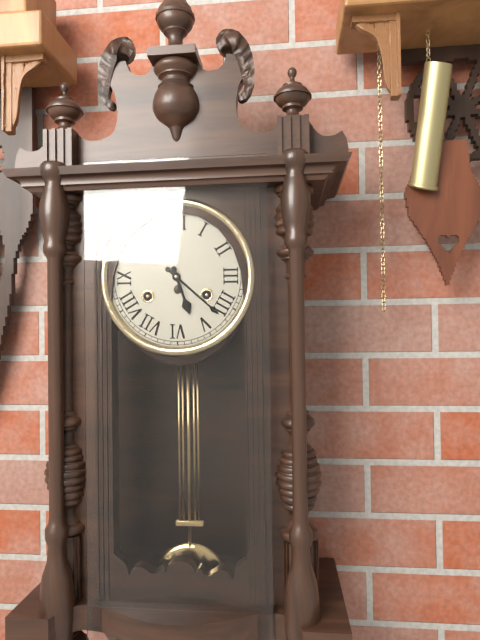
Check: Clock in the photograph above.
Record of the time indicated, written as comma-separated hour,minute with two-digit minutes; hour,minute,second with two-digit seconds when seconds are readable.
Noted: 5,22
